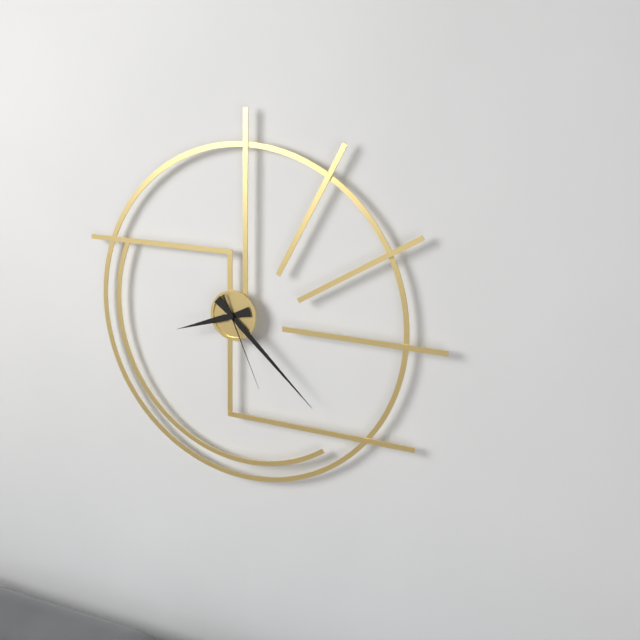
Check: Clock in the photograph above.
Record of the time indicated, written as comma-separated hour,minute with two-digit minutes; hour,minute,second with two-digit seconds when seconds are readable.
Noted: 8,22,26
